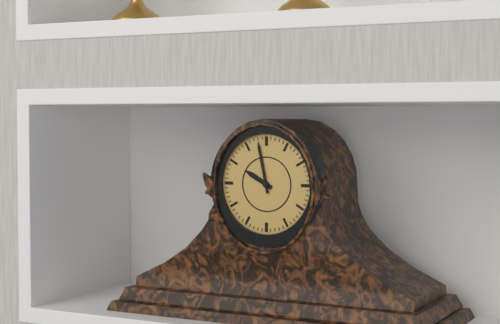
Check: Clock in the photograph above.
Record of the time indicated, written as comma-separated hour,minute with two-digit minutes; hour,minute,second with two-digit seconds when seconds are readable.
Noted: 9,58
